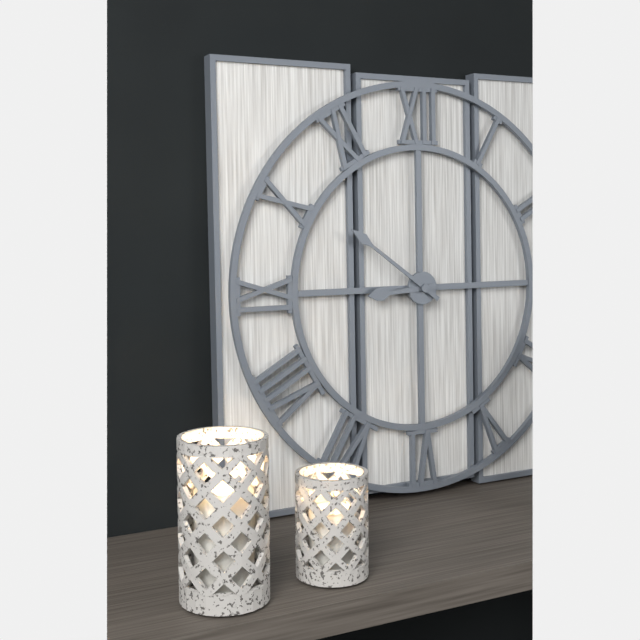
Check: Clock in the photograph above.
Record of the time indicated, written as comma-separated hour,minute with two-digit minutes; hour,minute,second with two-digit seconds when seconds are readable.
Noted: 8,51
